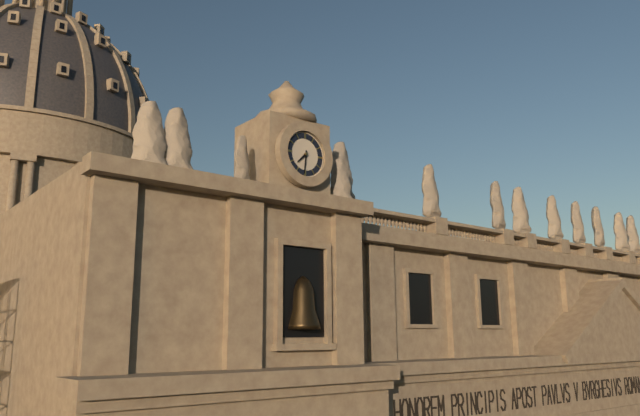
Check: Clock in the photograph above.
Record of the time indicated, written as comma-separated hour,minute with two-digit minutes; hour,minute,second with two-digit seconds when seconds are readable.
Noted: 7,31
